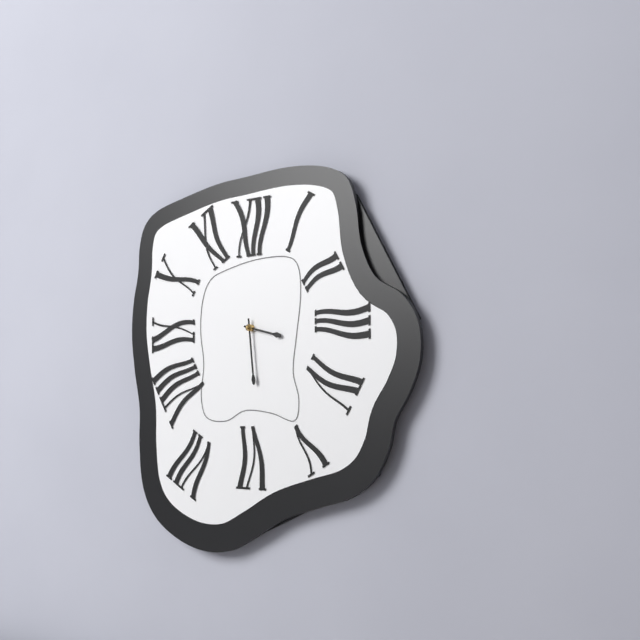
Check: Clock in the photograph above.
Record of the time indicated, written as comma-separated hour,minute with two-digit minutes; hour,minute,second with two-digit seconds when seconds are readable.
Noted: 3,29
